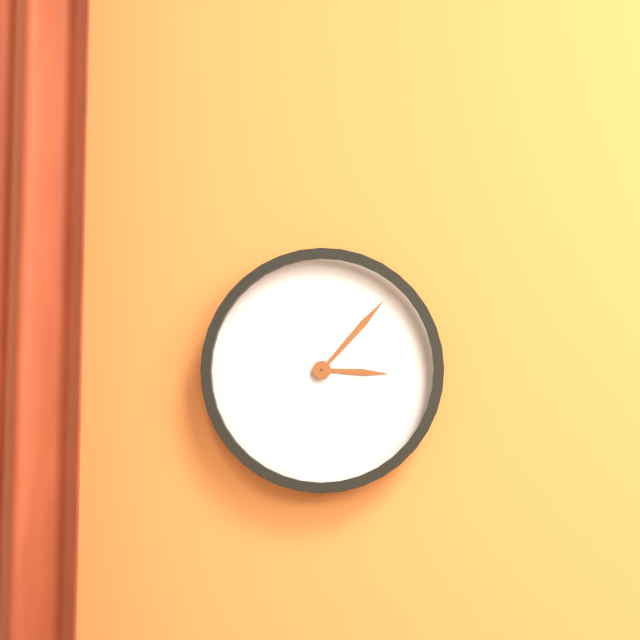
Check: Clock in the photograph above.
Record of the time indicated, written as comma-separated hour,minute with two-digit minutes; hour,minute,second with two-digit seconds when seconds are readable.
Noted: 3,07
